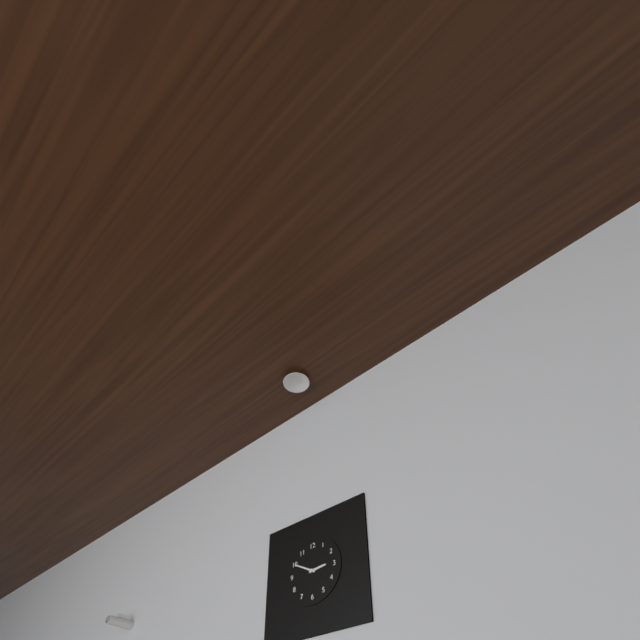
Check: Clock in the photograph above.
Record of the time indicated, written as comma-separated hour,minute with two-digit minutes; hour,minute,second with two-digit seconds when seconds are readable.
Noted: 2,50
